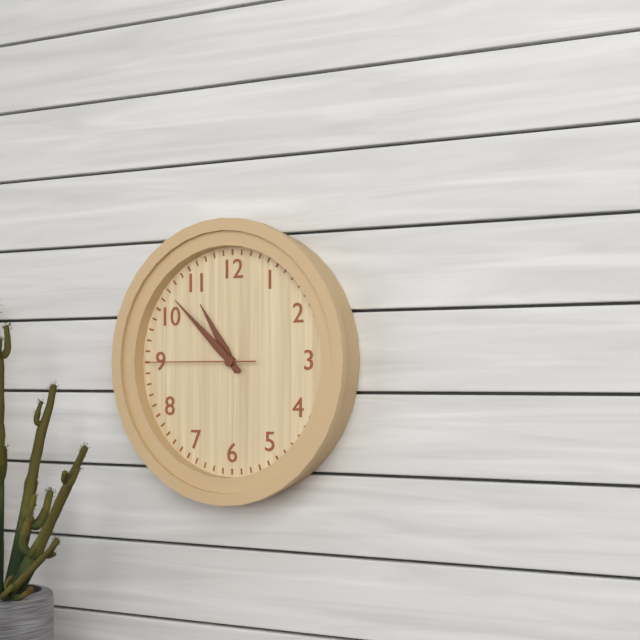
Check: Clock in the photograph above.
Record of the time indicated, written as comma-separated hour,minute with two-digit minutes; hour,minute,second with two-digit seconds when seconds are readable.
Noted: 10,52,45
